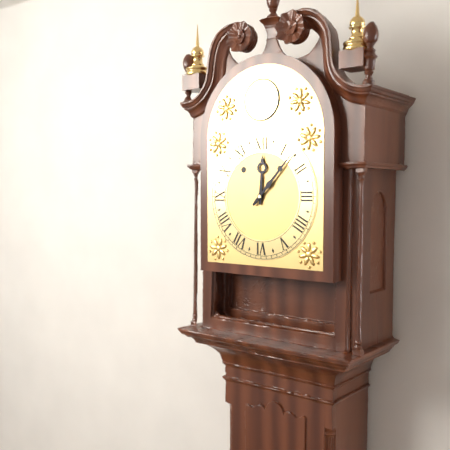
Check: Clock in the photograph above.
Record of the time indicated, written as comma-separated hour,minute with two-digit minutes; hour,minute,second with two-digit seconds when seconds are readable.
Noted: 12,07
